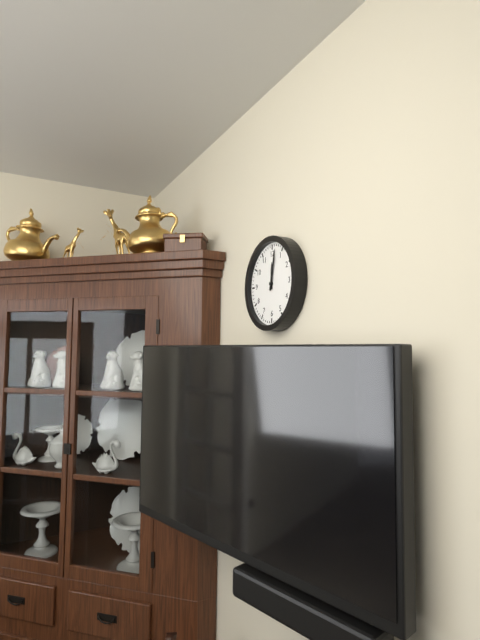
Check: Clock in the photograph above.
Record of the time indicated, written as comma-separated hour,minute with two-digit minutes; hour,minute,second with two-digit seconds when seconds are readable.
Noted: 12,02
